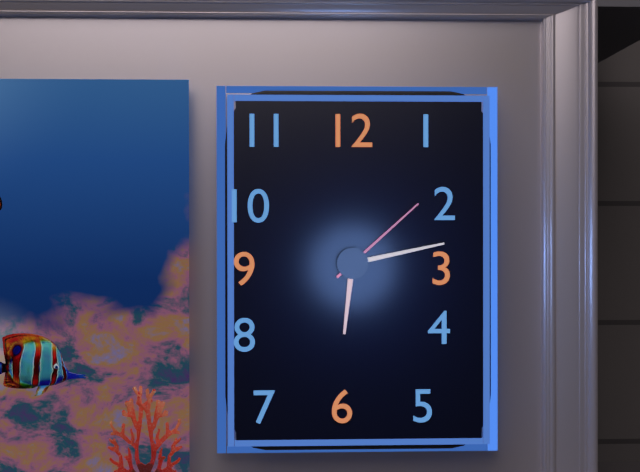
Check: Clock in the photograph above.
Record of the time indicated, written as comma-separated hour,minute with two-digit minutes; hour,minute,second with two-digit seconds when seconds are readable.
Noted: 6,13,08
